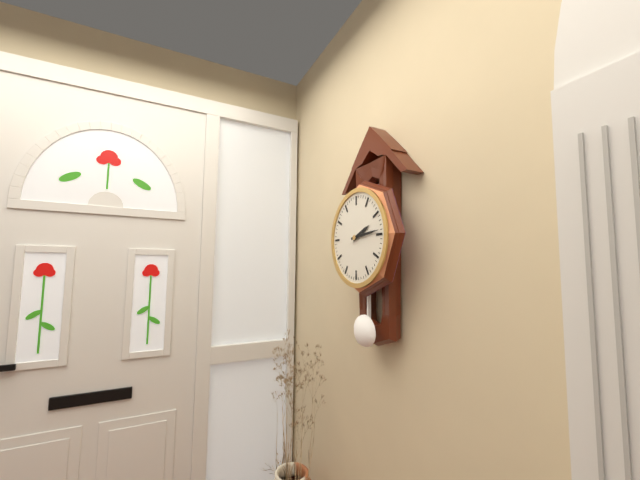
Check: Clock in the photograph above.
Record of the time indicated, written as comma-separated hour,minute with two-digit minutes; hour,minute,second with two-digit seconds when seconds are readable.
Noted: 2,14
